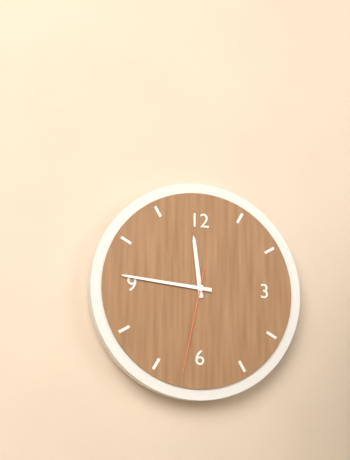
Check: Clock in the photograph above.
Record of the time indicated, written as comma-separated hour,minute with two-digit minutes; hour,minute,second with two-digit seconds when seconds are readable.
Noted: 11,46,32
